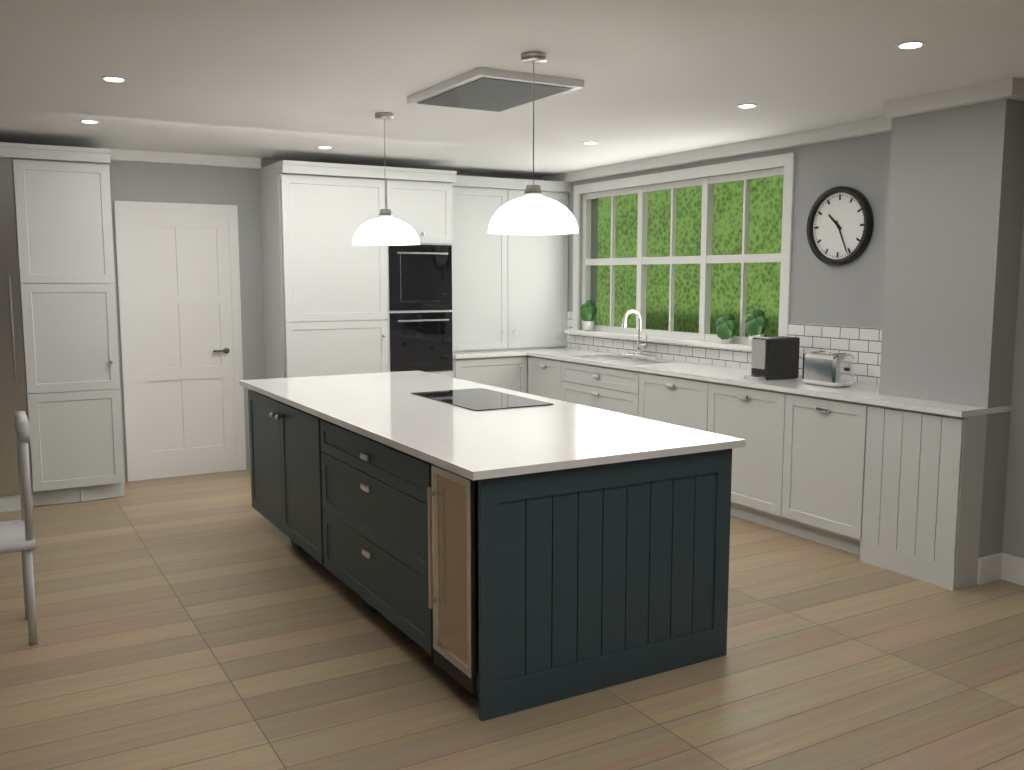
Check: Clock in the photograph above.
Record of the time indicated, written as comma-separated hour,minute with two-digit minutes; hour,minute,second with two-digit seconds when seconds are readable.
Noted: 10,26
